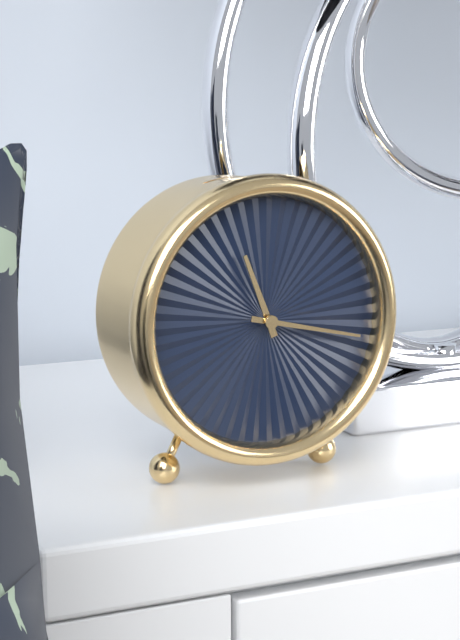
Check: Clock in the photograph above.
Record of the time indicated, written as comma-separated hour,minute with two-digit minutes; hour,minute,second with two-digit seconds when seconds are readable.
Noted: 11,17
